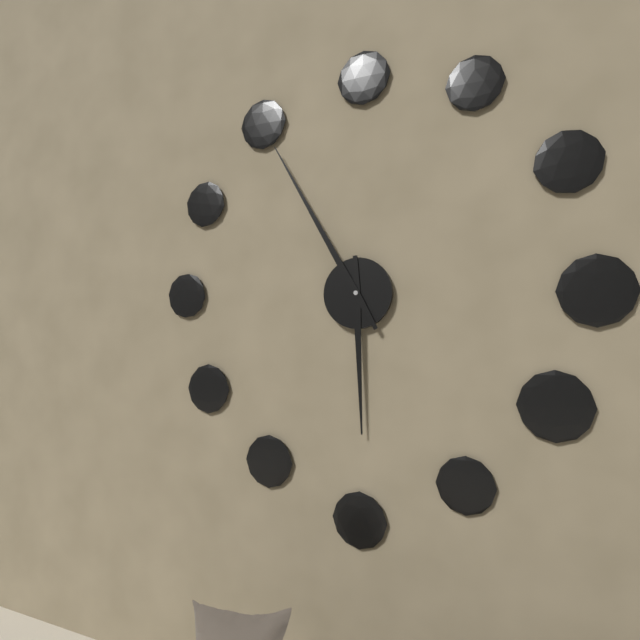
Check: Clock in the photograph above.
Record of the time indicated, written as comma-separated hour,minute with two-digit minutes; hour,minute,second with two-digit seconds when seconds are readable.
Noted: 5,55
